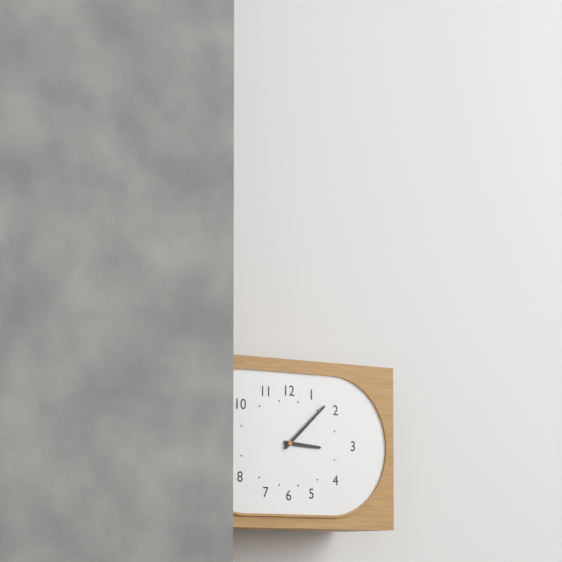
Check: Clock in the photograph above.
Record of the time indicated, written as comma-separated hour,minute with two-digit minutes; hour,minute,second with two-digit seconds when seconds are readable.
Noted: 3,08
